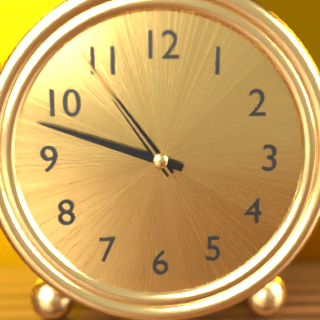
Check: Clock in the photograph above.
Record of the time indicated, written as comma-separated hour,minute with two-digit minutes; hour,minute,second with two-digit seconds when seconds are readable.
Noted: 10,48,54
